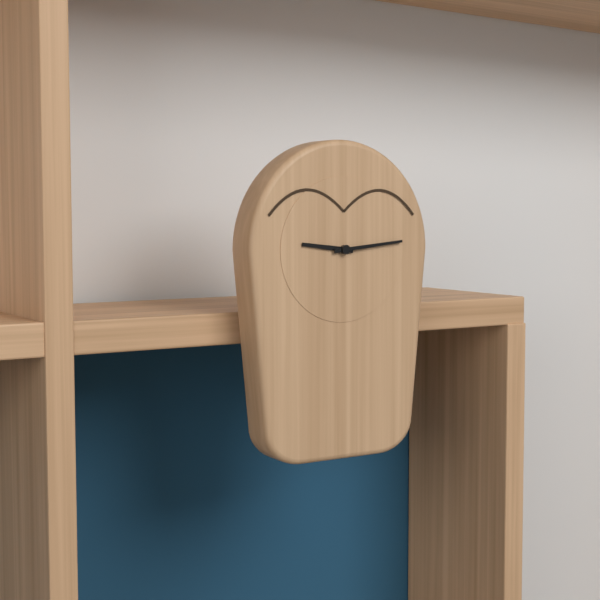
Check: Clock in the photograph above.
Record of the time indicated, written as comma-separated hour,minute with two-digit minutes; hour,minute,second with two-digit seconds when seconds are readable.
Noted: 9,14
